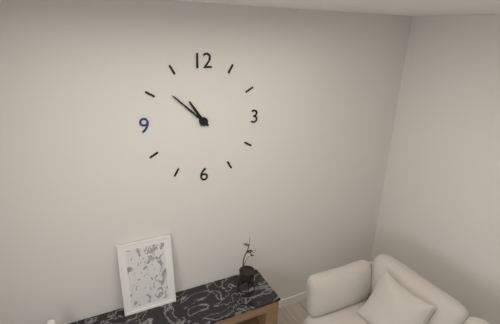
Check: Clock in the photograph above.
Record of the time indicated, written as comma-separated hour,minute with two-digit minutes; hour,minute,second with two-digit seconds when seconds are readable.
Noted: 10,52
